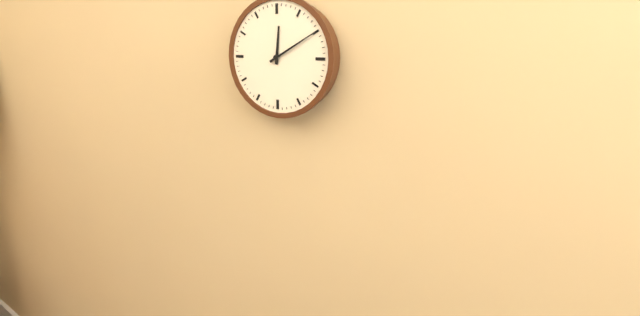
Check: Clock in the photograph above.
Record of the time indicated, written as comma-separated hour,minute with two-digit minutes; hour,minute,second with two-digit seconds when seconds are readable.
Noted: 12,10
